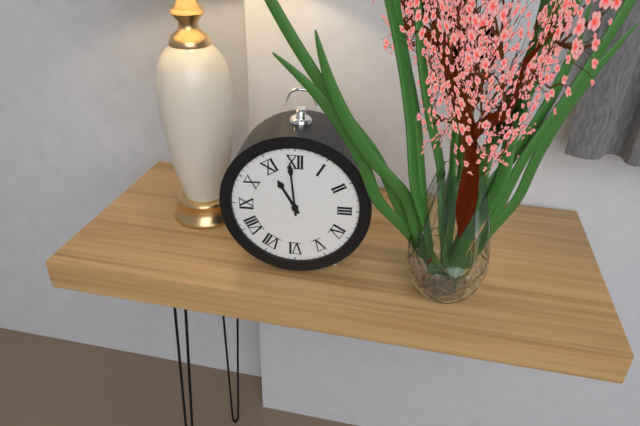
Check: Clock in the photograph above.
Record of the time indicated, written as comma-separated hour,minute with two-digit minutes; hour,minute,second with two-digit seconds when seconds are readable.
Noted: 10,59
